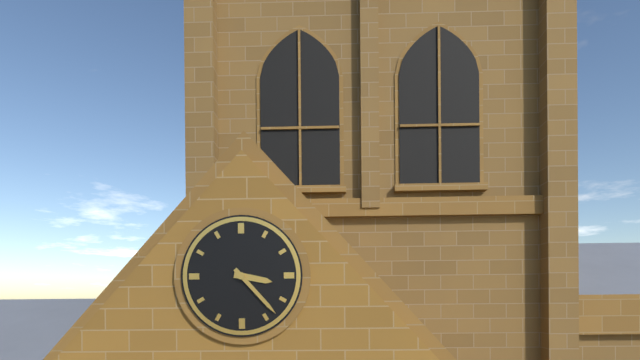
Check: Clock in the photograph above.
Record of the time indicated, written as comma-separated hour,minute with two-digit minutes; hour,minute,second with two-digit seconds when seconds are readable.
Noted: 3,23
